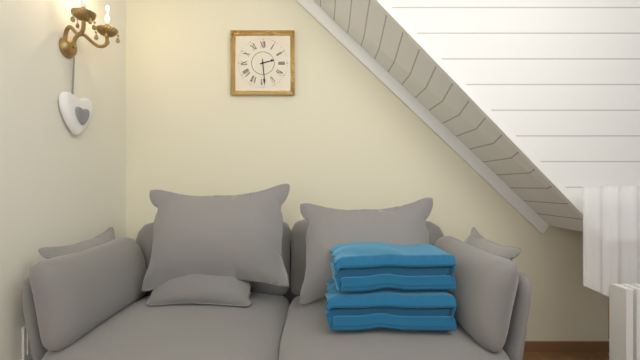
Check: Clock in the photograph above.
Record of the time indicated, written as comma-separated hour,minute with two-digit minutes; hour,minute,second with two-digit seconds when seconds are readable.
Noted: 2,29
